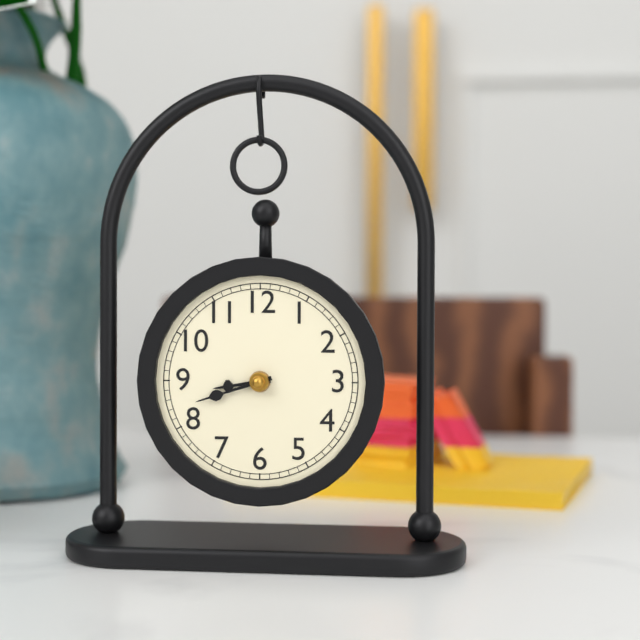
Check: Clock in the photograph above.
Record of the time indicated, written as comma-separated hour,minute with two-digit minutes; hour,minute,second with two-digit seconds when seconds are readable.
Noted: 8,42
